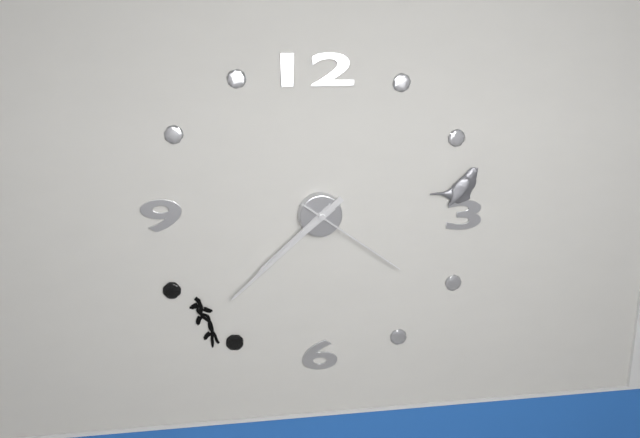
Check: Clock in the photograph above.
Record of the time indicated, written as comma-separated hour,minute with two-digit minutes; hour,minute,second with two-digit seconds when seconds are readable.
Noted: 7,38,21
